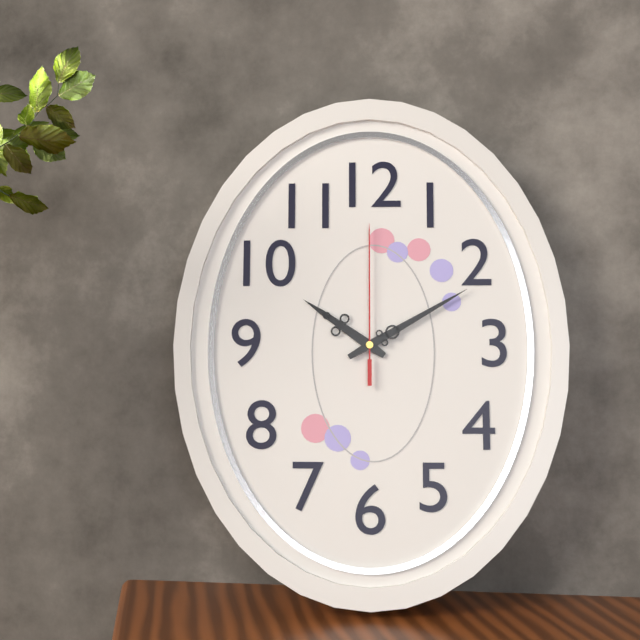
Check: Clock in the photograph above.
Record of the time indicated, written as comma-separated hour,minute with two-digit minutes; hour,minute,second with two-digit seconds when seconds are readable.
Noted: 10,10,00
